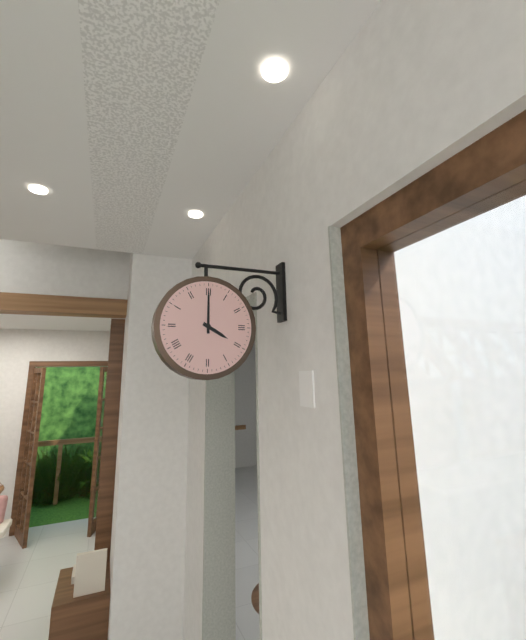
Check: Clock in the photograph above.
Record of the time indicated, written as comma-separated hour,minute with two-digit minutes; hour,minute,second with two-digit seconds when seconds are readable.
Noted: 4,00
